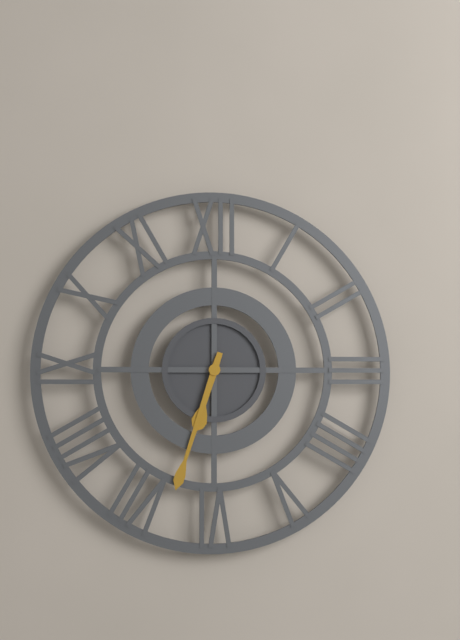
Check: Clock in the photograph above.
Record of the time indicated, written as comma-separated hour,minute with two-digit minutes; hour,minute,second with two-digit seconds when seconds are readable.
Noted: 6,33
